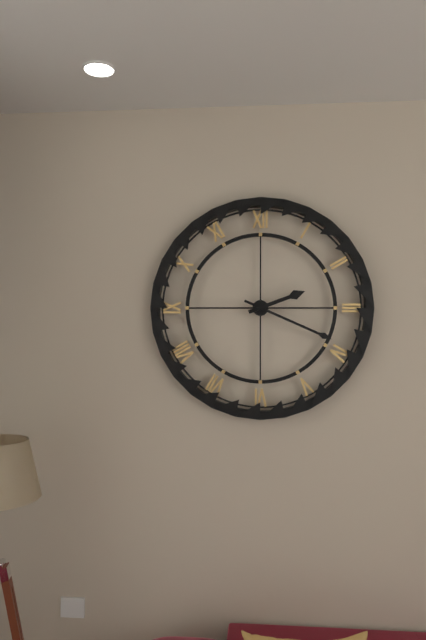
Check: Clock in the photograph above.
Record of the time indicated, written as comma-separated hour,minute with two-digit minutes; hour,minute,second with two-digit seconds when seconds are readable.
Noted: 2,19
